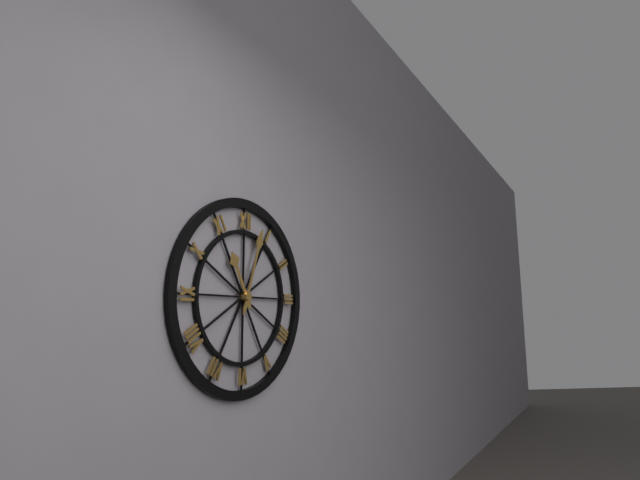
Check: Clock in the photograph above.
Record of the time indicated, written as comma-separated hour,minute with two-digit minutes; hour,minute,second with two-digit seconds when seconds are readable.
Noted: 11,03
